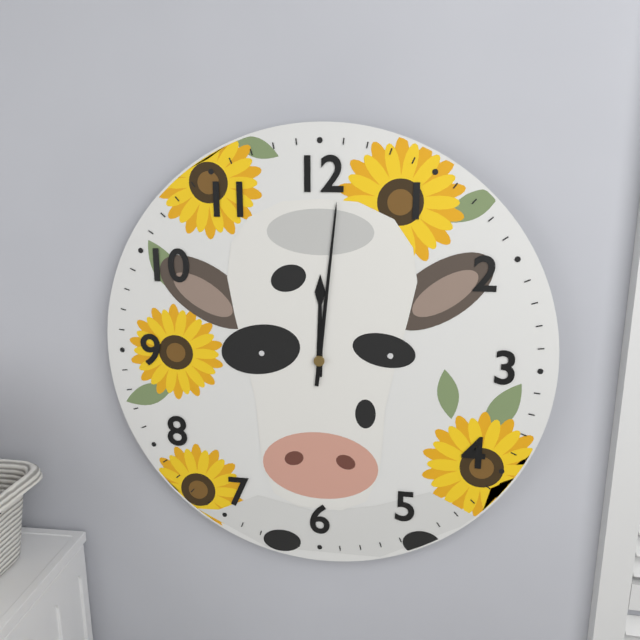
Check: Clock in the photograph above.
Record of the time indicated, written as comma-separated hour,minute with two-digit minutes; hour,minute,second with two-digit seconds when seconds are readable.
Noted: 12,01
